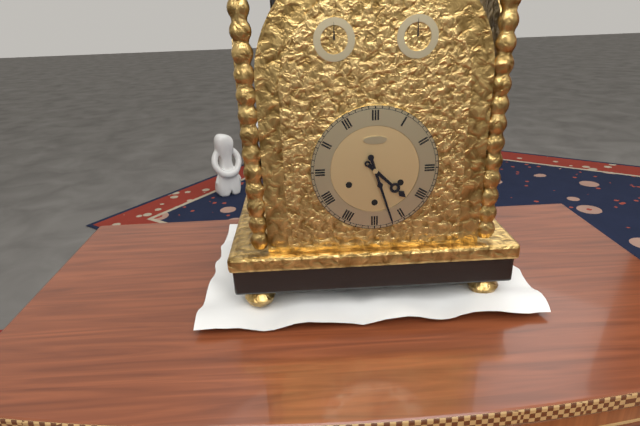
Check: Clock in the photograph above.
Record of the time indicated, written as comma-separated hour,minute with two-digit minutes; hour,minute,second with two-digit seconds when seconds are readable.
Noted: 4,27
